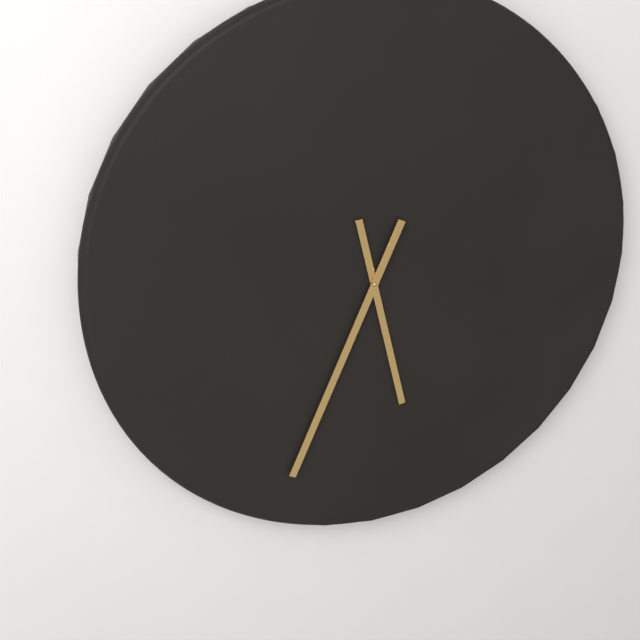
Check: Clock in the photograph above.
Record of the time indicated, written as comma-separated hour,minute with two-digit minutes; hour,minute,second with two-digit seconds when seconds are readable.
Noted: 5,34
